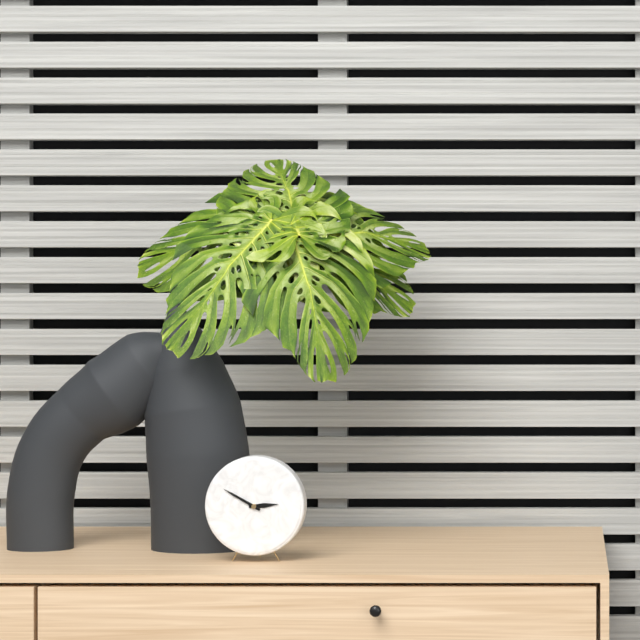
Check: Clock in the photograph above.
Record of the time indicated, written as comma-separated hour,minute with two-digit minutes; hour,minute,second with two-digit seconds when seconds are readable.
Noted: 2,50
